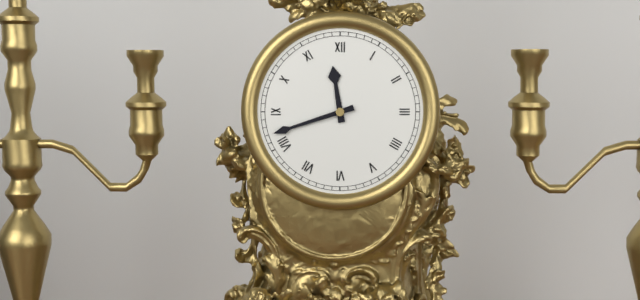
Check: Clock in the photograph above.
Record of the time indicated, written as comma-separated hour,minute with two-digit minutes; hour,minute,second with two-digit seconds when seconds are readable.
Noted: 11,42
